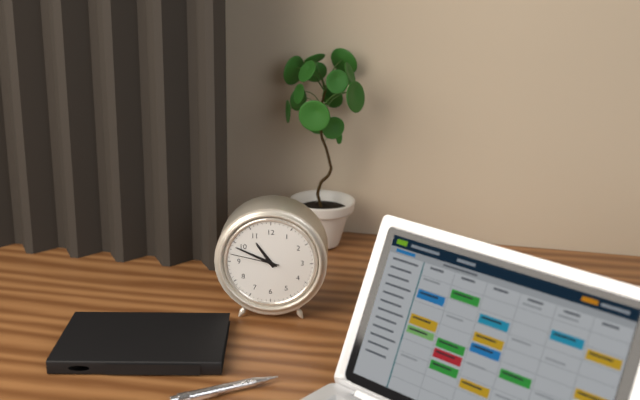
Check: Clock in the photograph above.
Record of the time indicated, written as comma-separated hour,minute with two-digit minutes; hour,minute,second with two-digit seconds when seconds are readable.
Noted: 10,49,47
